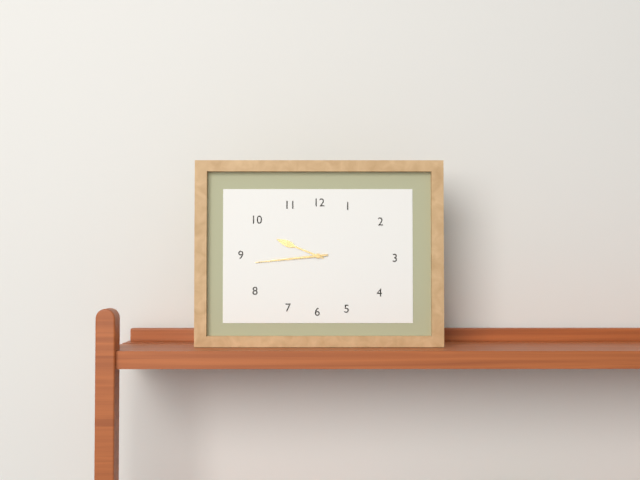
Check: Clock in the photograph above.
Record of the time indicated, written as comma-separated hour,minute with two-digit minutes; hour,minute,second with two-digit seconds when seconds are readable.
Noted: 9,44
